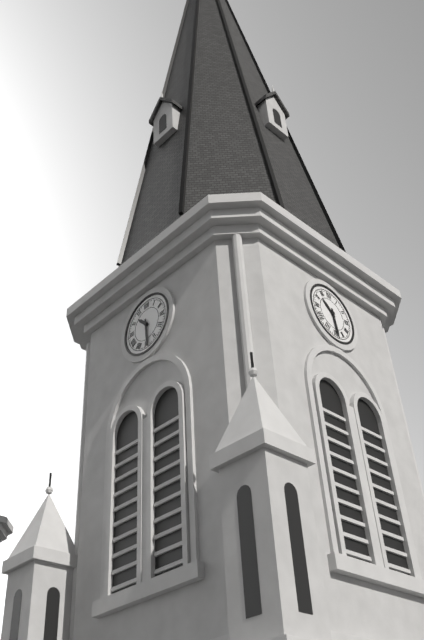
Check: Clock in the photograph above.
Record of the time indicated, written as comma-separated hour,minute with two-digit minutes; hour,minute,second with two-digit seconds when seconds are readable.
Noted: 10,29
